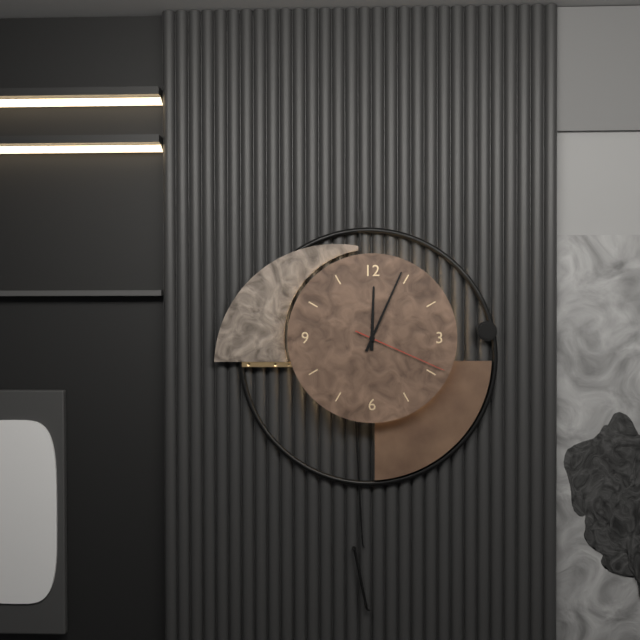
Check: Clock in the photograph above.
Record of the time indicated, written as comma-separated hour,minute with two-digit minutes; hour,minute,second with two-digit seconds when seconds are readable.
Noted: 12,04,19
